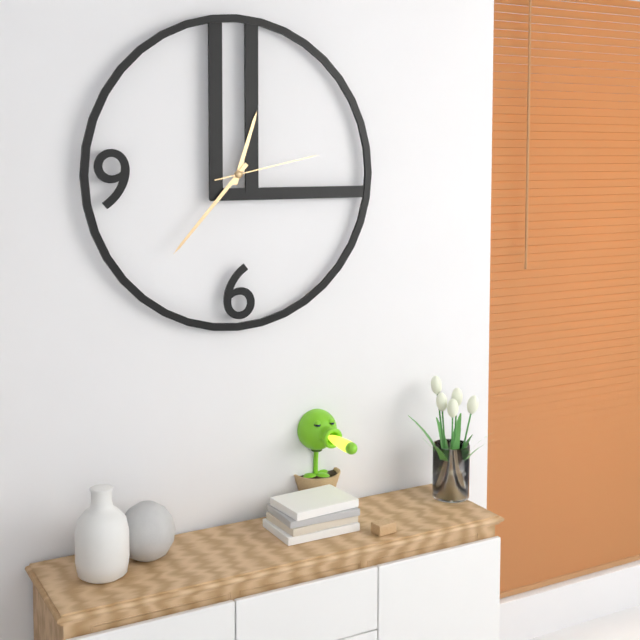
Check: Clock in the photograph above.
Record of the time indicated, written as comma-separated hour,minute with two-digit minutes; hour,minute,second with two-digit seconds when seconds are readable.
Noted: 12,37,13
